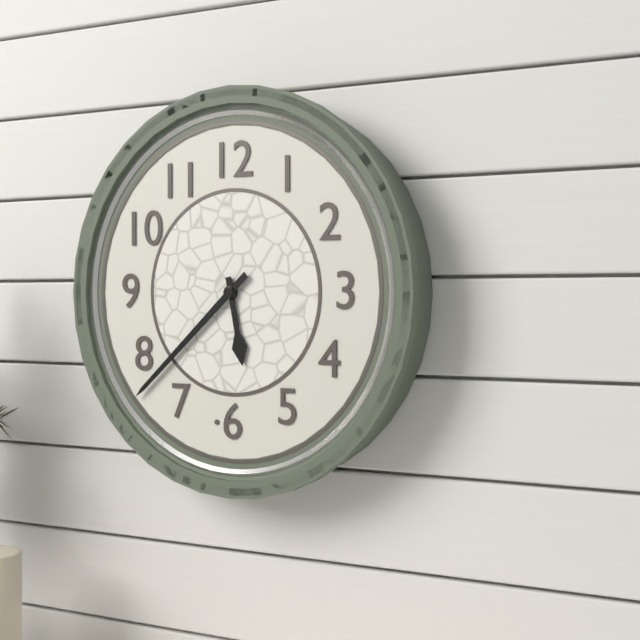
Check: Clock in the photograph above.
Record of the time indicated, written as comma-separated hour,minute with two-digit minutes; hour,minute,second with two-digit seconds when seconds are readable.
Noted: 5,38
